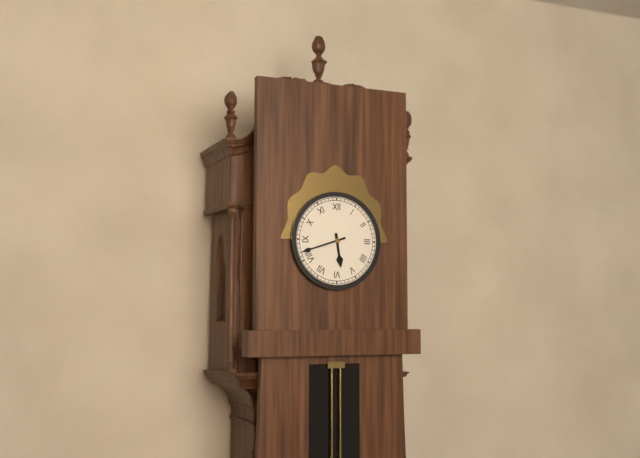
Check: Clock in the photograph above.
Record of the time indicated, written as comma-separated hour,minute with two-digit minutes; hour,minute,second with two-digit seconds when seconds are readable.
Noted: 5,42
